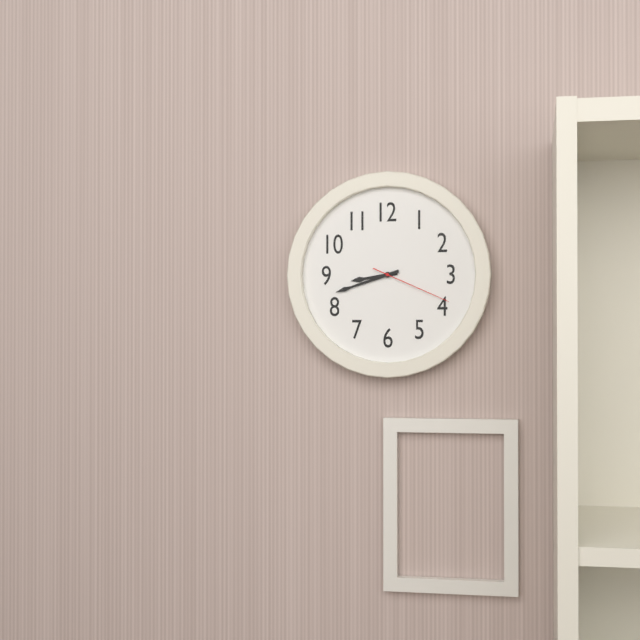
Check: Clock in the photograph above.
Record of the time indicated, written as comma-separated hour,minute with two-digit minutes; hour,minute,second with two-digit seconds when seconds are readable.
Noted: 8,42,19
